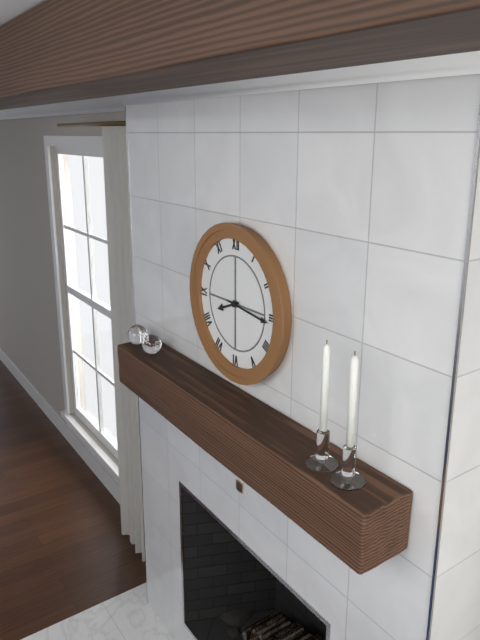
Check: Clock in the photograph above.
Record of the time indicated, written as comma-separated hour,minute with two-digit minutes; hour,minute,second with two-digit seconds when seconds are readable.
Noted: 8,16
